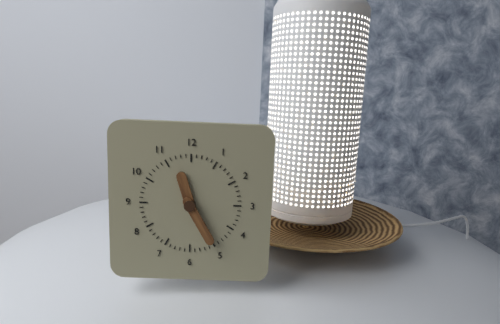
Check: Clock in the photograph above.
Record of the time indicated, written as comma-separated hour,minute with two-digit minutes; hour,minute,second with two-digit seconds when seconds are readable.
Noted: 11,25
